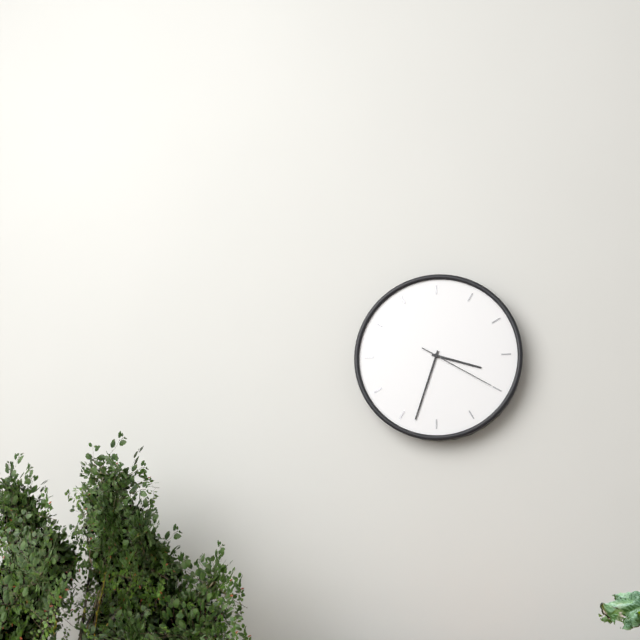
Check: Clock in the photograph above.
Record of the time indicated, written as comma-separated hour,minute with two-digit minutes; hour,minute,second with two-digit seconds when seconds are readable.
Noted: 3,33,20
